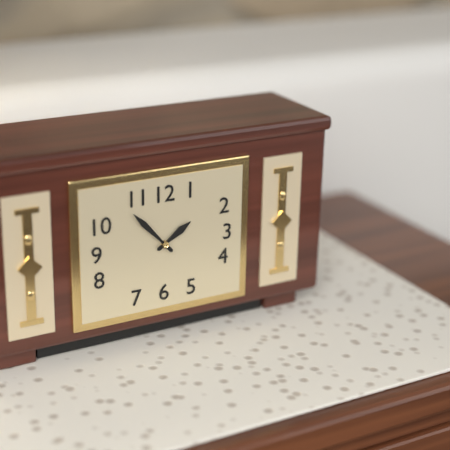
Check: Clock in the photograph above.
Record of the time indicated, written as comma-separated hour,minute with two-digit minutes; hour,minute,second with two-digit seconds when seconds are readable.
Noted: 1,53
